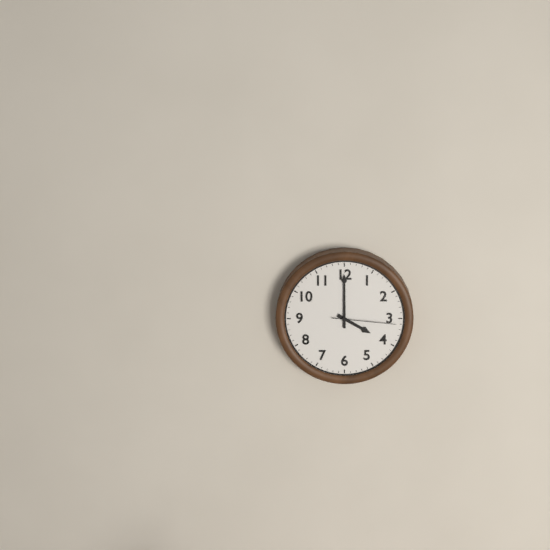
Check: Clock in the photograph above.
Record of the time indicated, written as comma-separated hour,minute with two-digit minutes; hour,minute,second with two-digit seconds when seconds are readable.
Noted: 4,00,16
